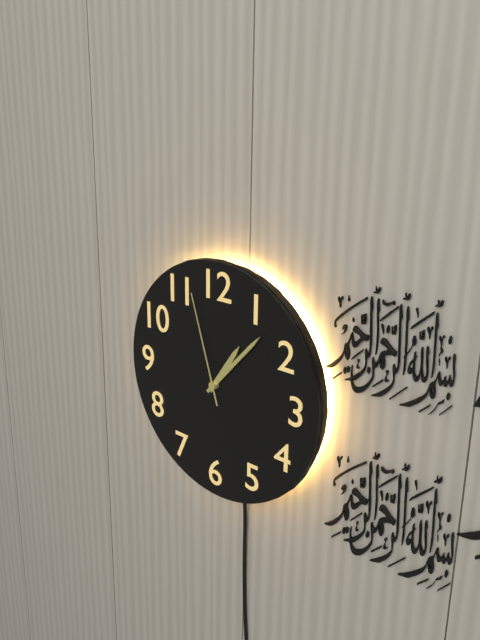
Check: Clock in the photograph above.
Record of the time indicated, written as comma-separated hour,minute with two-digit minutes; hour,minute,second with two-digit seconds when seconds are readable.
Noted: 1,07,57
